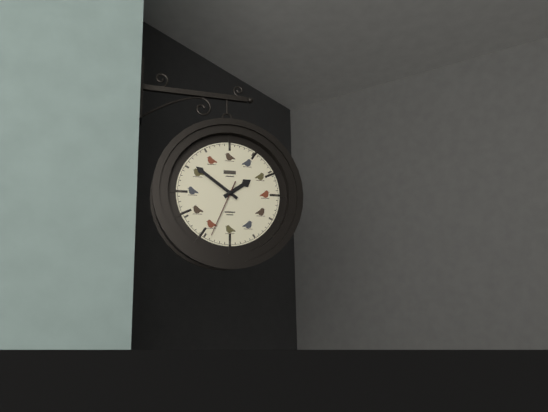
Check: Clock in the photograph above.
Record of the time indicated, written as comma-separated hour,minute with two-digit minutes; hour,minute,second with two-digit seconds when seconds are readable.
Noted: 1,51,34
